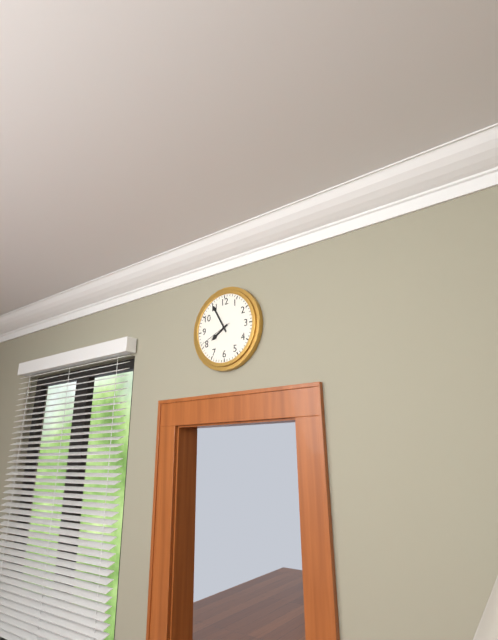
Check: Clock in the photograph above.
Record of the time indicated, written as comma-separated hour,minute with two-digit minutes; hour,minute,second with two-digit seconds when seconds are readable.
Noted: 7,55
